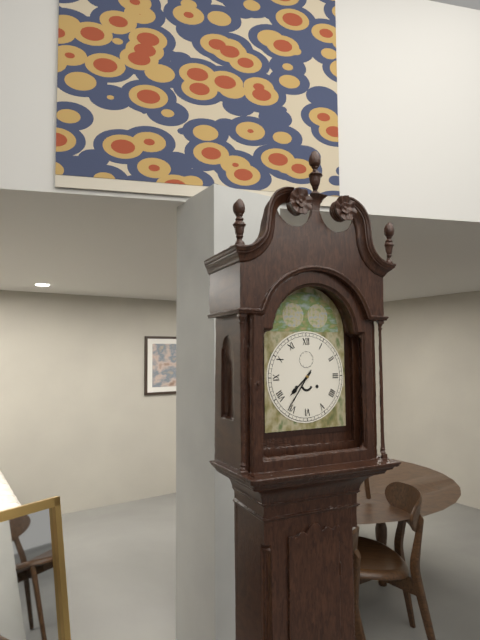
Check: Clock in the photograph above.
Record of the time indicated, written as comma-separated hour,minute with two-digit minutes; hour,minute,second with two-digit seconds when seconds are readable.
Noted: 7,36
